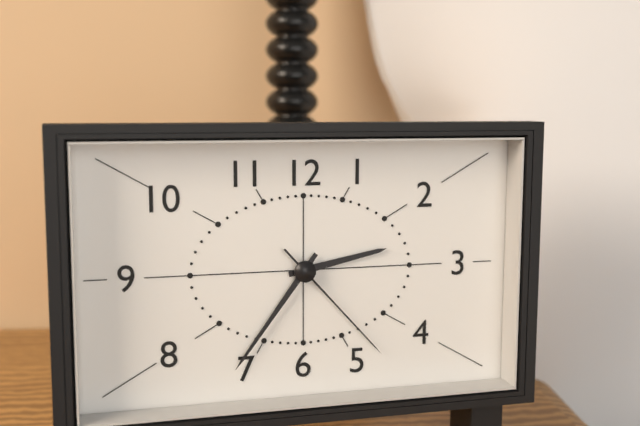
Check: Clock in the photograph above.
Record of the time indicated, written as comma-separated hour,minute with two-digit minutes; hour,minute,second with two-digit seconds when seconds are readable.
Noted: 2,36,23
